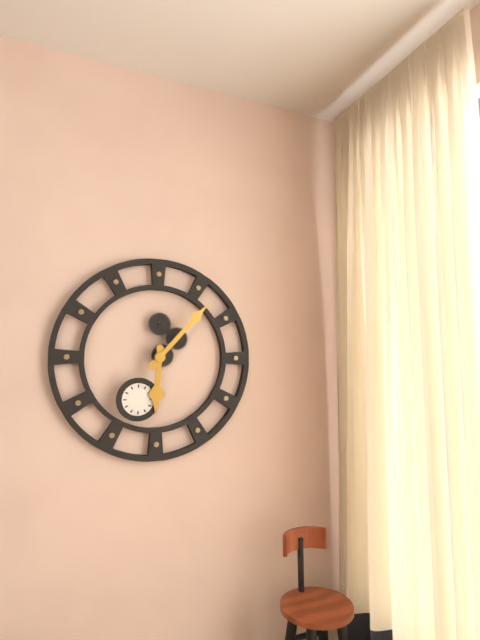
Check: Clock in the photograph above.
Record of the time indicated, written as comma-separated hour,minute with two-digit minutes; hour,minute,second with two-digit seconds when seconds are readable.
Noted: 6,07
